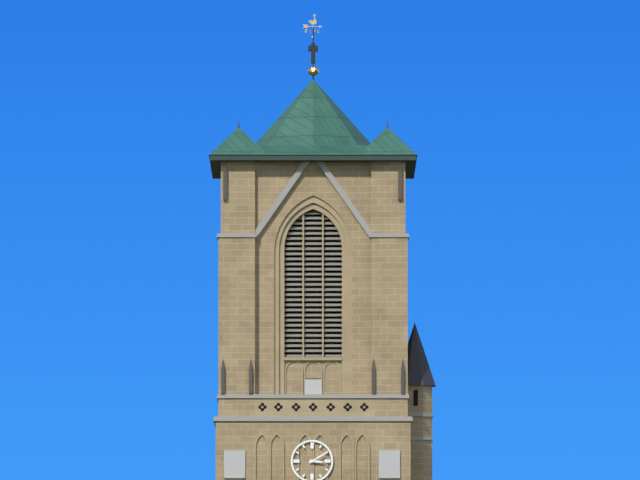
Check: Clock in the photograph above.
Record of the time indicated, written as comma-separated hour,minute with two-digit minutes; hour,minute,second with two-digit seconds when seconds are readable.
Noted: 3,10
